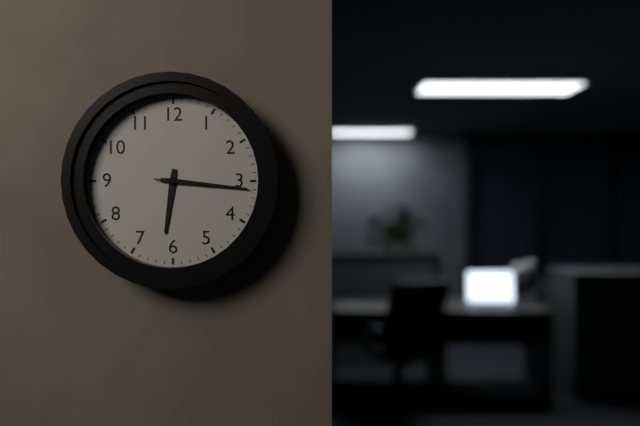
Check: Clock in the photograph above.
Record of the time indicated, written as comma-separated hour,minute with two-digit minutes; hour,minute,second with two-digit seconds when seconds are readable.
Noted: 6,16,16
